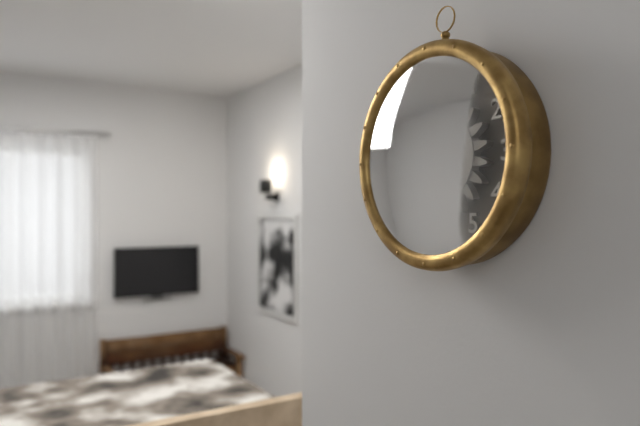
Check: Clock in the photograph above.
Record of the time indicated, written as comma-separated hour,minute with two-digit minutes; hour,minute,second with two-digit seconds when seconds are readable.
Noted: 8,53
